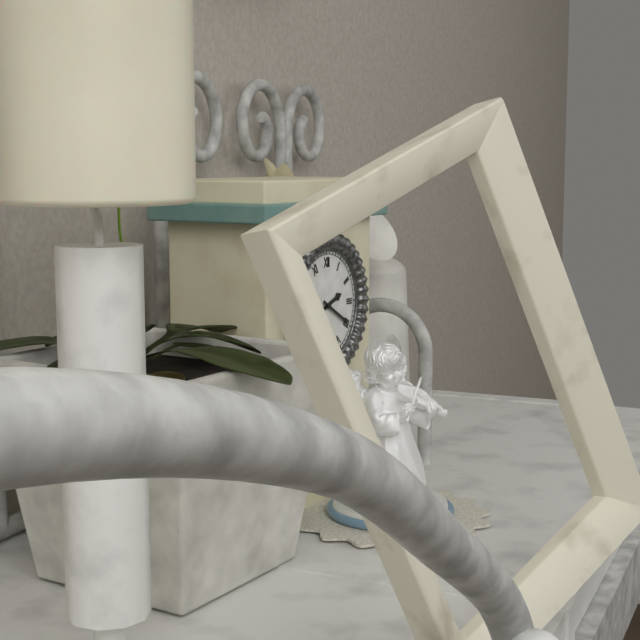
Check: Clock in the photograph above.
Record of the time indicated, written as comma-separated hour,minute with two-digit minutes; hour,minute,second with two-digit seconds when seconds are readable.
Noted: 2,20
